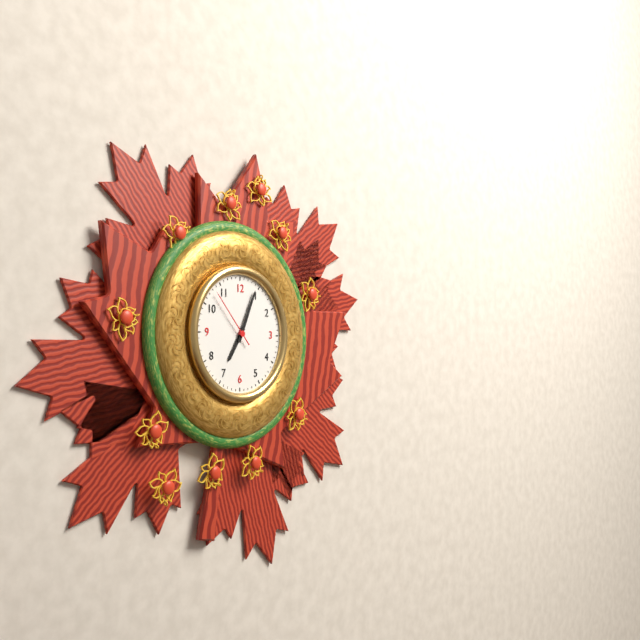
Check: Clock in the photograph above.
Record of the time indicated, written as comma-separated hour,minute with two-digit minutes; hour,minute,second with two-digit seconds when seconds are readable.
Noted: 7,04,53
